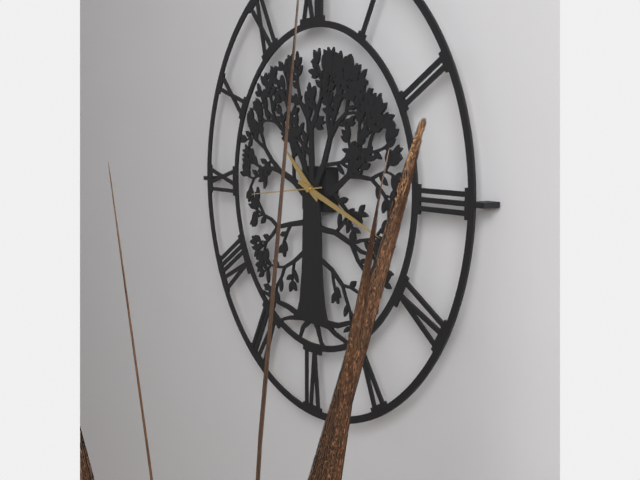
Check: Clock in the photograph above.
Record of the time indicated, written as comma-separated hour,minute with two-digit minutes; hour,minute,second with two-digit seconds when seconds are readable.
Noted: 10,18,44
